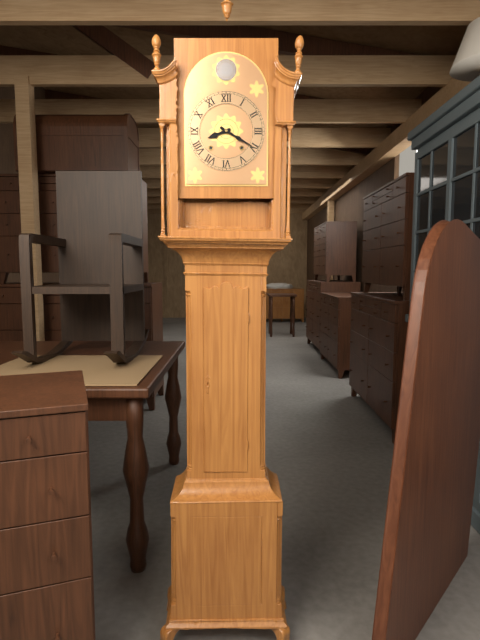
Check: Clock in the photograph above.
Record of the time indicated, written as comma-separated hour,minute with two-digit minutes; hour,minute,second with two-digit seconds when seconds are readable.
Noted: 8,20
